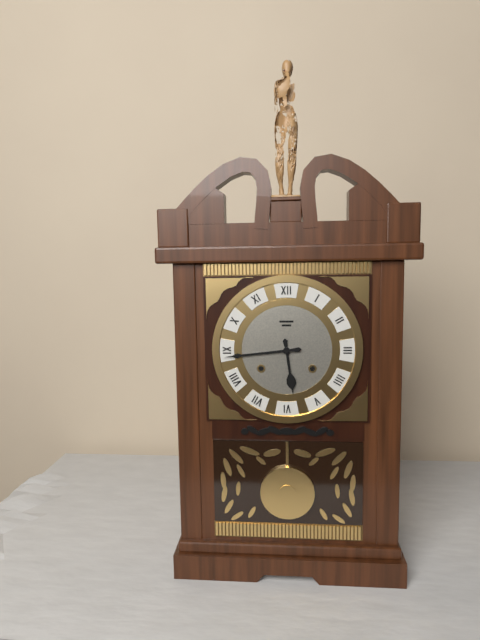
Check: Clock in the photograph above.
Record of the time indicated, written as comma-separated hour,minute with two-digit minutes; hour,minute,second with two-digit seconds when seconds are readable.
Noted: 5,44
